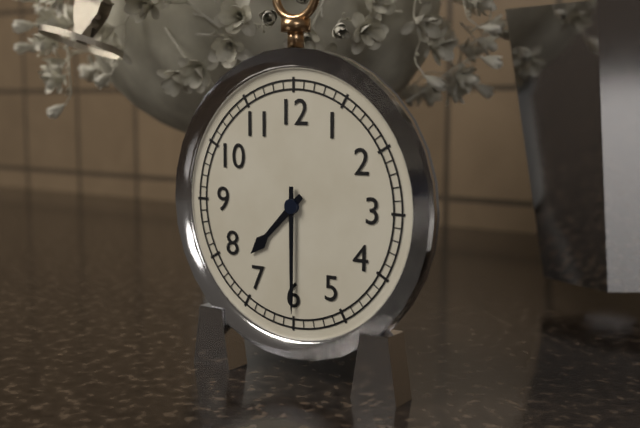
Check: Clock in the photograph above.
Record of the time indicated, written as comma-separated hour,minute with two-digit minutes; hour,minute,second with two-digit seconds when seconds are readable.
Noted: 7,30
